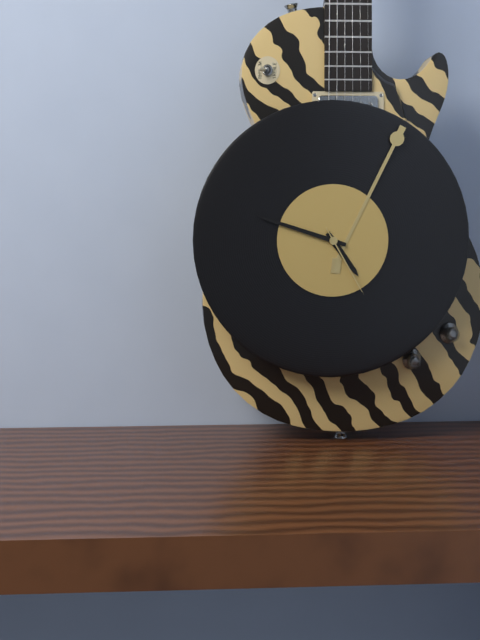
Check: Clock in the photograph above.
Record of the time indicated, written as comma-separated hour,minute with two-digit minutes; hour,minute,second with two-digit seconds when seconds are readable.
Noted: 4,48,25
